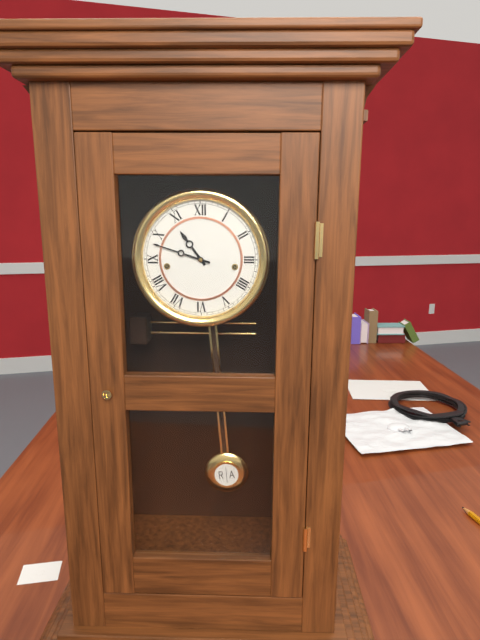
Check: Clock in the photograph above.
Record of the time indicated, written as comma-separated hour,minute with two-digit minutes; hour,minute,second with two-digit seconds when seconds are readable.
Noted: 10,48
